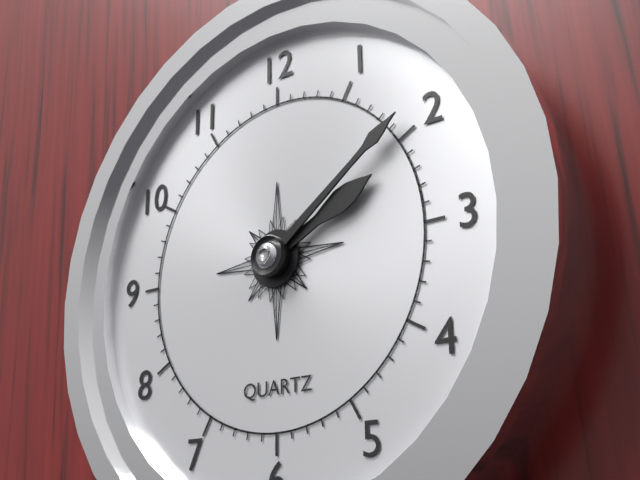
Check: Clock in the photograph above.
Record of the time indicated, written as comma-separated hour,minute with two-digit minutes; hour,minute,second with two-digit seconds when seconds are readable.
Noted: 2,09
